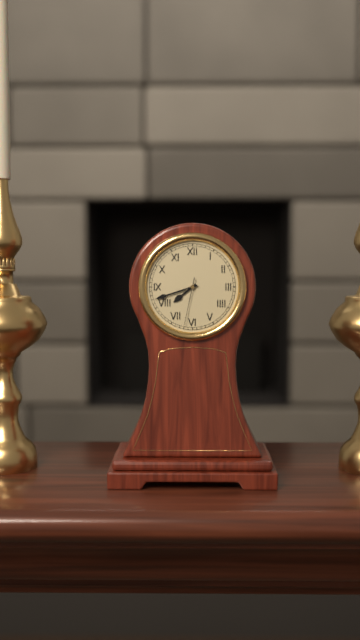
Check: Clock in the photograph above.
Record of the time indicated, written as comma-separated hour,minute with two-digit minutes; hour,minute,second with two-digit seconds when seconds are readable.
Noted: 7,42,32
